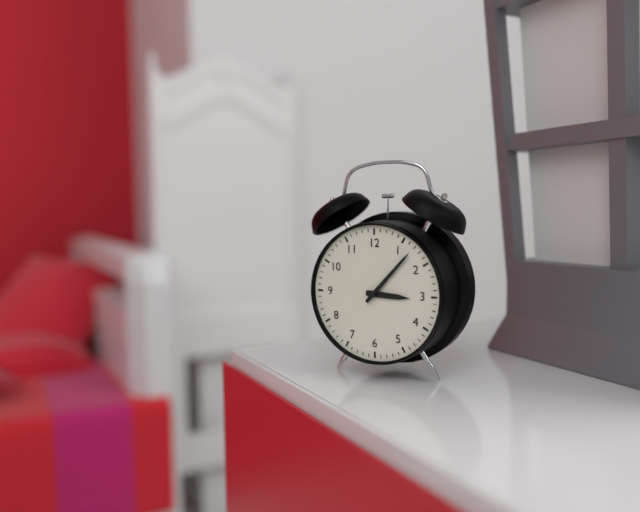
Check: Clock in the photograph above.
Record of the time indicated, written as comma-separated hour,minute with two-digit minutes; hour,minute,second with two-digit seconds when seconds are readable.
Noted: 3,07
